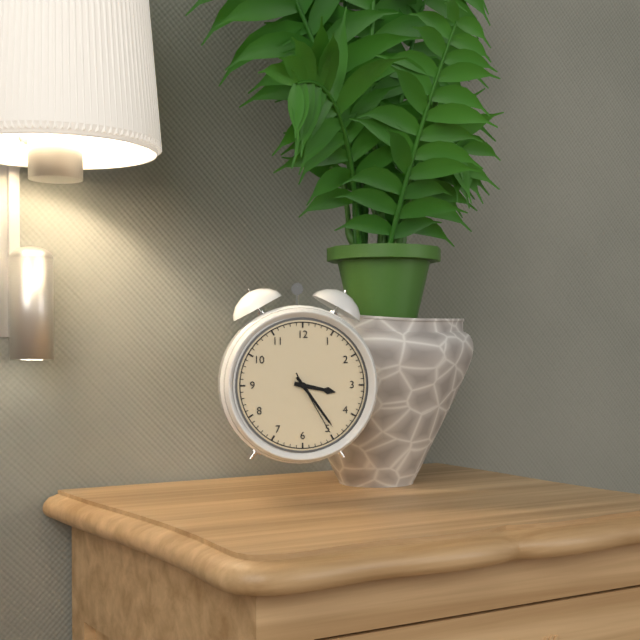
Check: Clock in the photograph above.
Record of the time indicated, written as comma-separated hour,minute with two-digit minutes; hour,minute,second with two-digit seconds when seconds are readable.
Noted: 3,24,25
